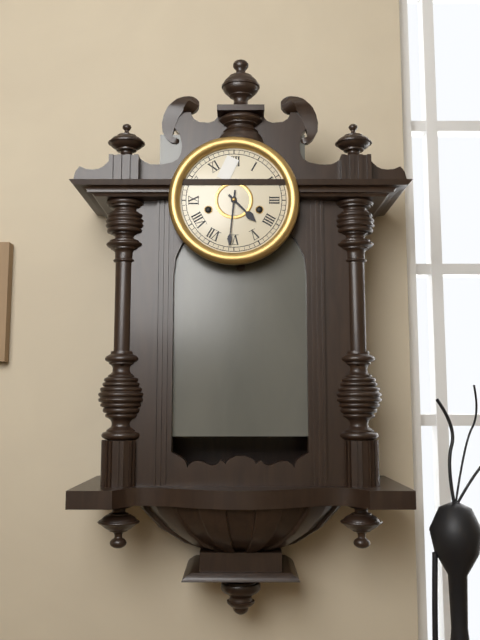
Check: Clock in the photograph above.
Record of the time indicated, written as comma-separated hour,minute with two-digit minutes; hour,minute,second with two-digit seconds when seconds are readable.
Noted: 4,31
